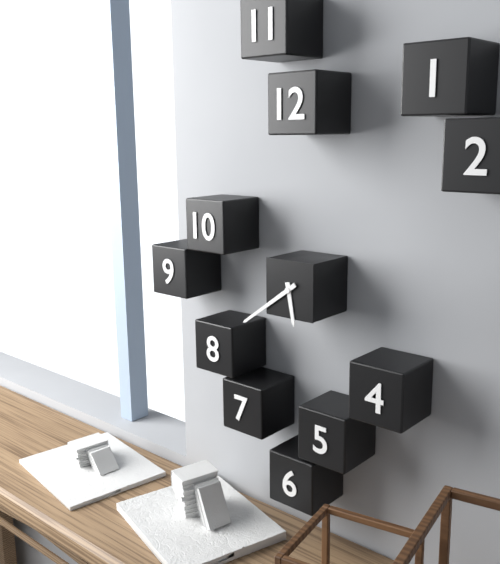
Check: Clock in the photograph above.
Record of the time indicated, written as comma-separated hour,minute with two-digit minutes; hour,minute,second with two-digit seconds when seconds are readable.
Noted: 5,39
